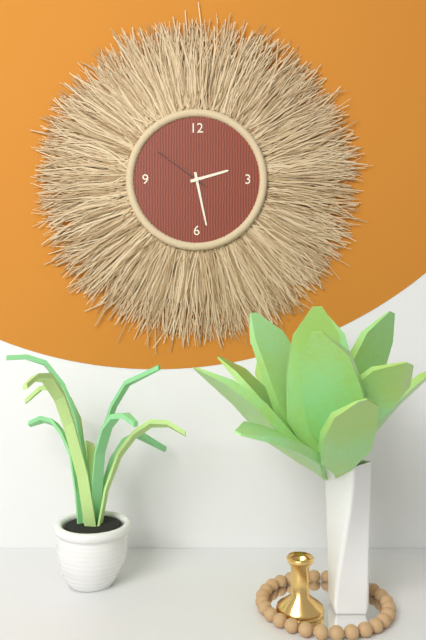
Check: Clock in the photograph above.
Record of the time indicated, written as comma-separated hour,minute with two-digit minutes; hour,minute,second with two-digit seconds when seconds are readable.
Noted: 2,28,51
